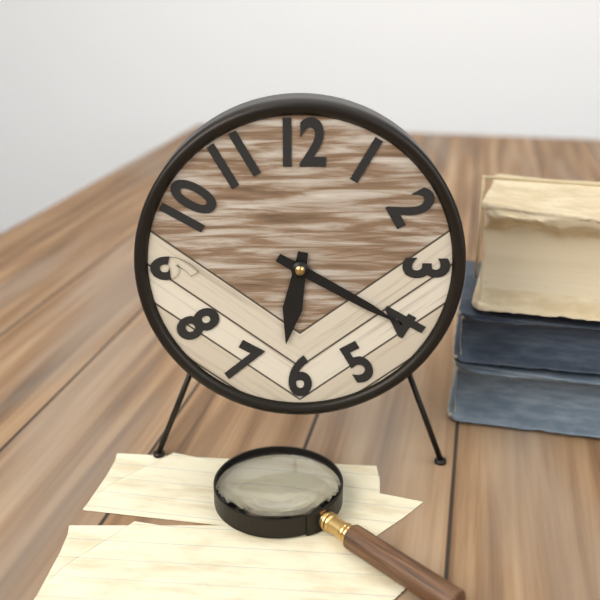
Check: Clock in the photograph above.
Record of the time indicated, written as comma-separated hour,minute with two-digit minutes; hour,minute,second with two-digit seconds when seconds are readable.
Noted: 6,20
